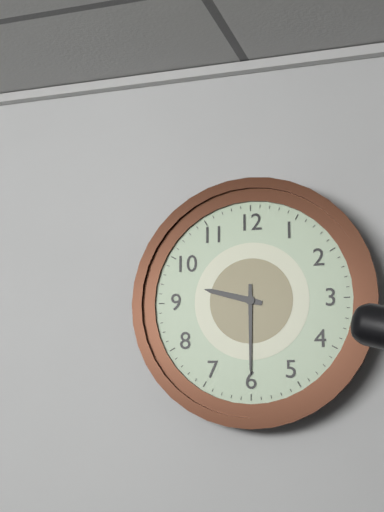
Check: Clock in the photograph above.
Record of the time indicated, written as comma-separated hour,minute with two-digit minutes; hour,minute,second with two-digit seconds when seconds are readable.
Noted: 9,30
